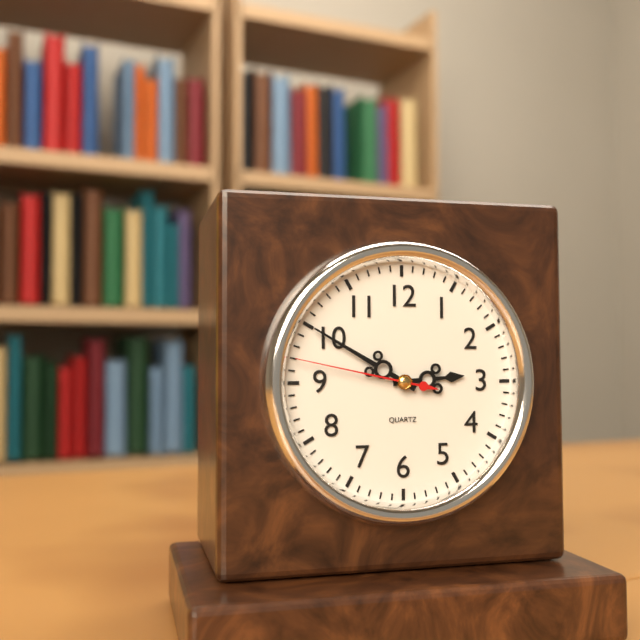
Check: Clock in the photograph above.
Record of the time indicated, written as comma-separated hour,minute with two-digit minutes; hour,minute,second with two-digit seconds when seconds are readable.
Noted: 2,50,47
